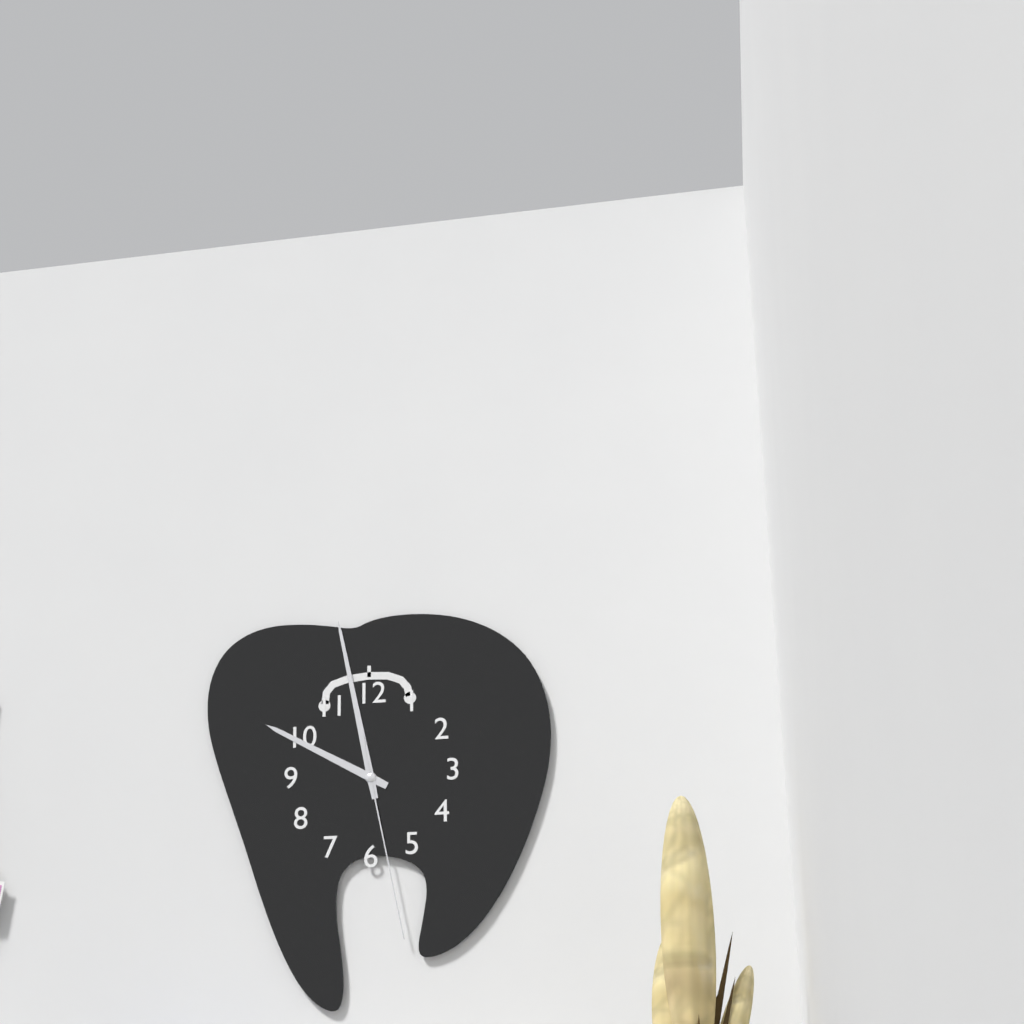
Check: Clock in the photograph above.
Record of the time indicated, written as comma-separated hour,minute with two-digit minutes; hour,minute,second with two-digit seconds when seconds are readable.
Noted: 9,58,28
